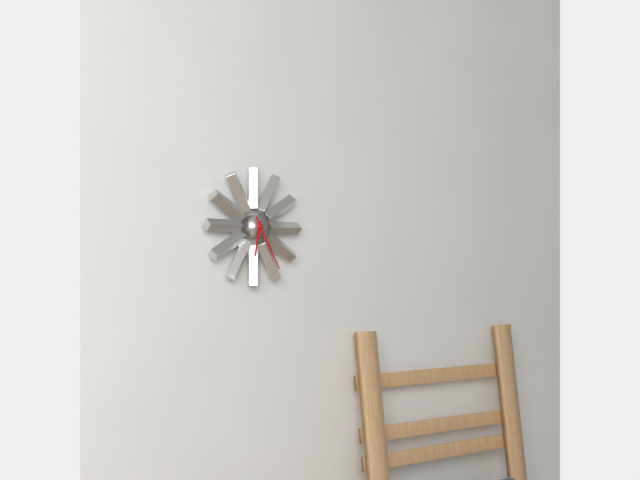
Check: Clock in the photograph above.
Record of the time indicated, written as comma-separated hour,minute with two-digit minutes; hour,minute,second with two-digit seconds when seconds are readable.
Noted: 6,25
